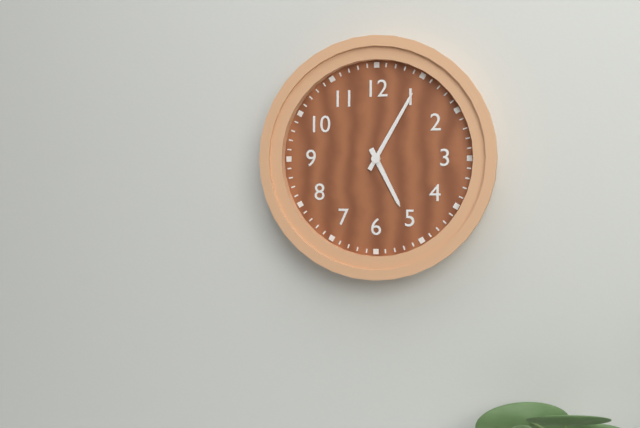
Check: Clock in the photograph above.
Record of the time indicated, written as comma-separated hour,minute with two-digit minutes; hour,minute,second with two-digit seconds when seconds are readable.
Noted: 5,05
